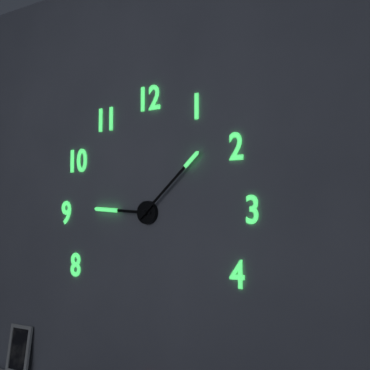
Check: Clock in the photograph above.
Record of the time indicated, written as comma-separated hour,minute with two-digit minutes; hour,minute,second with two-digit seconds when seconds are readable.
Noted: 9,08
